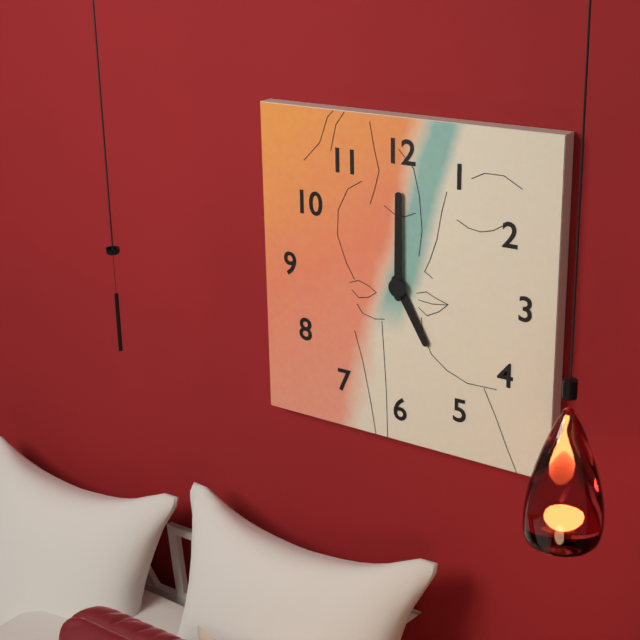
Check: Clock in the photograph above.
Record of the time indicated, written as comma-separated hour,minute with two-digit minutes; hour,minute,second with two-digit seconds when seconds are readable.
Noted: 5,00
